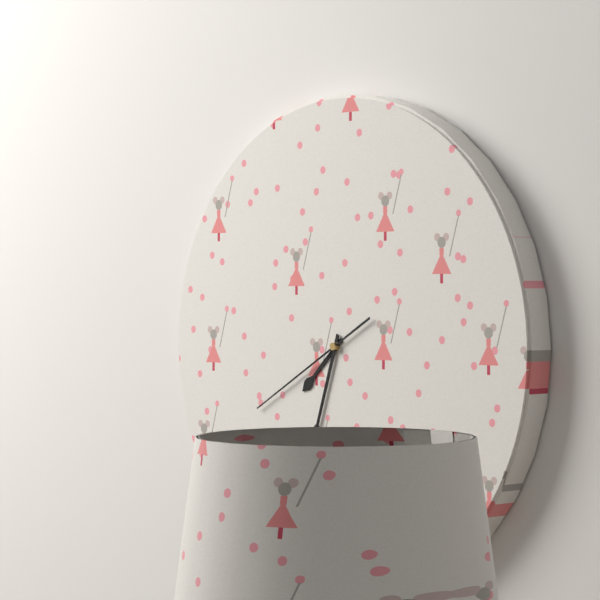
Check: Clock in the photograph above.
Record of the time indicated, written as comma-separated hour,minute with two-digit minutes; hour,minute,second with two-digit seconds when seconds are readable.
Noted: 7,33,40
